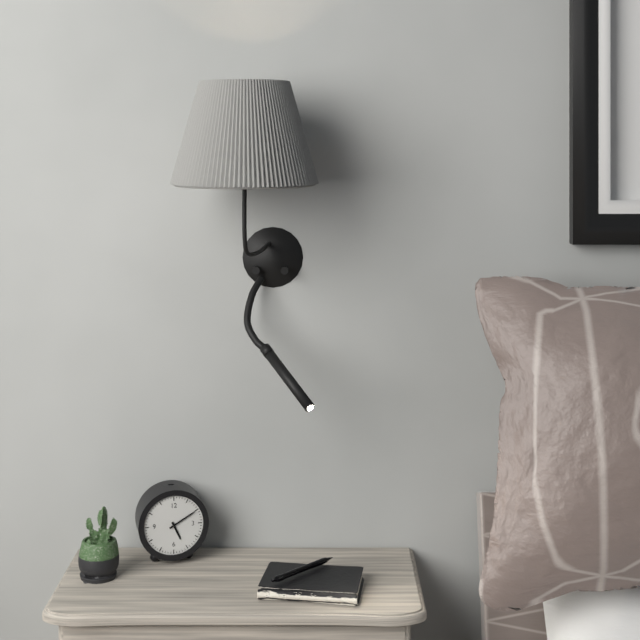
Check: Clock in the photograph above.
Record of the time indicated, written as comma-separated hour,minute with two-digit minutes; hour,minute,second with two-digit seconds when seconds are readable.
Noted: 5,10
